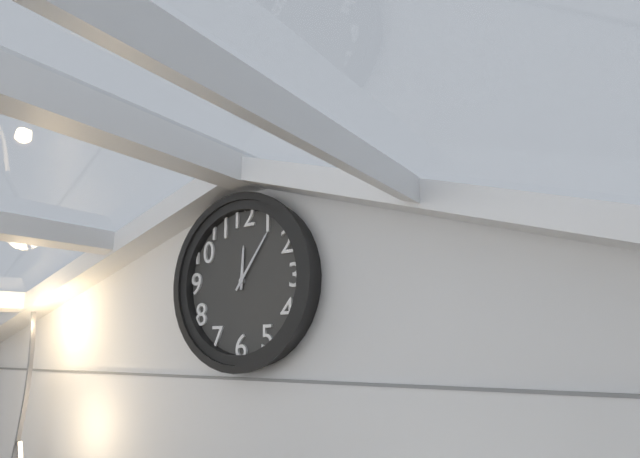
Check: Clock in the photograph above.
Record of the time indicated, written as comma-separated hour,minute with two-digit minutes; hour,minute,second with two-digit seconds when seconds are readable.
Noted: 12,06
